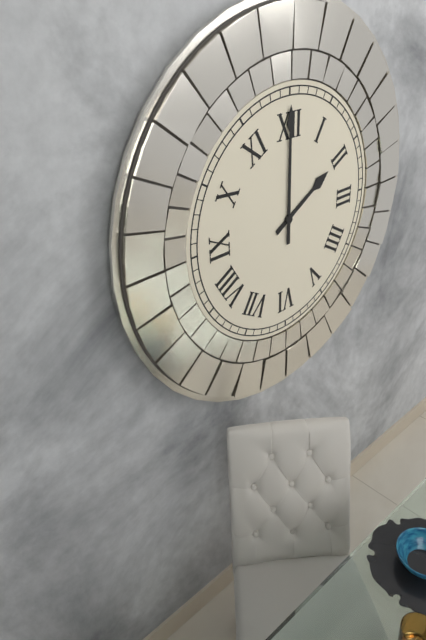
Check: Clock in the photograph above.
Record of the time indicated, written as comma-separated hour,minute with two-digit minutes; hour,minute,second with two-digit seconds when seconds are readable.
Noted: 2,00
